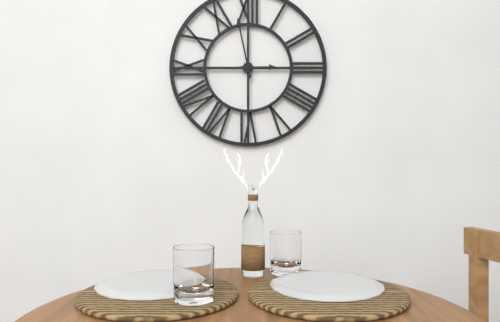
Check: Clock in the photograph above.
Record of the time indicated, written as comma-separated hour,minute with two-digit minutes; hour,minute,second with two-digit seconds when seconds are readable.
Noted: 2,58
